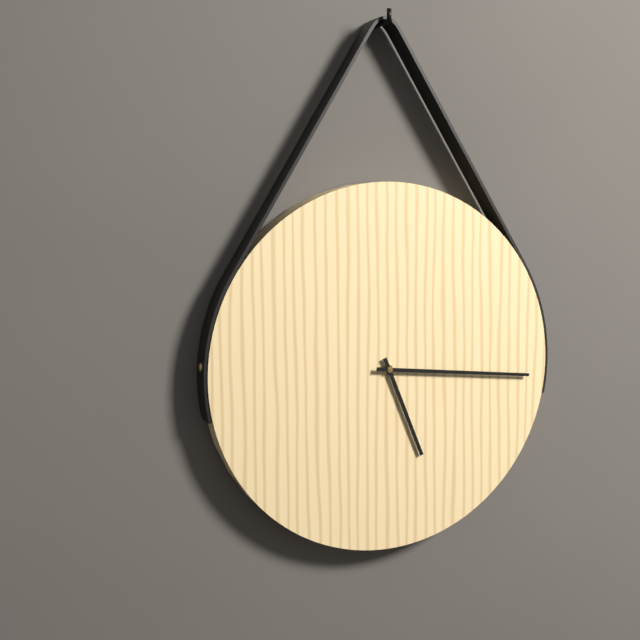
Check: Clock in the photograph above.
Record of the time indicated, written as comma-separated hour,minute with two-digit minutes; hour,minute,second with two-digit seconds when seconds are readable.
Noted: 5,16
